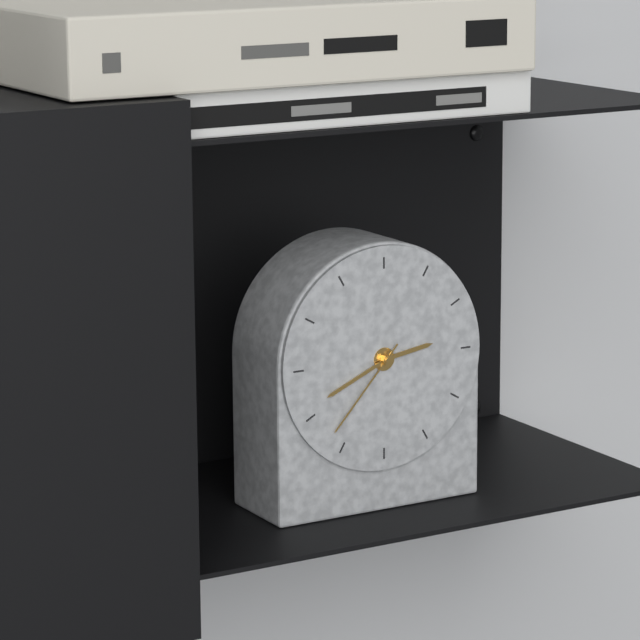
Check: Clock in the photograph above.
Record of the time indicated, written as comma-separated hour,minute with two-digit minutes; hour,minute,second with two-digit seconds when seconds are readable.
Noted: 2,41,37
